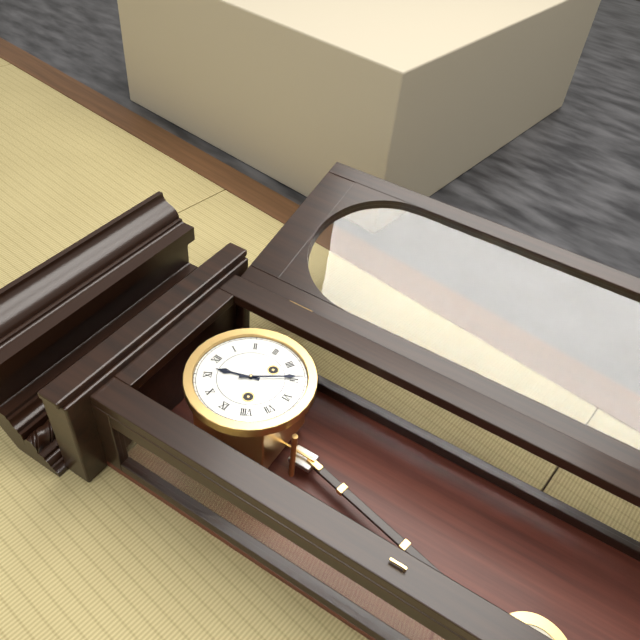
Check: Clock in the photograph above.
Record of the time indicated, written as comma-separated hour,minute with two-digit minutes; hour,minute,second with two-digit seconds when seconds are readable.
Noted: 11,24
